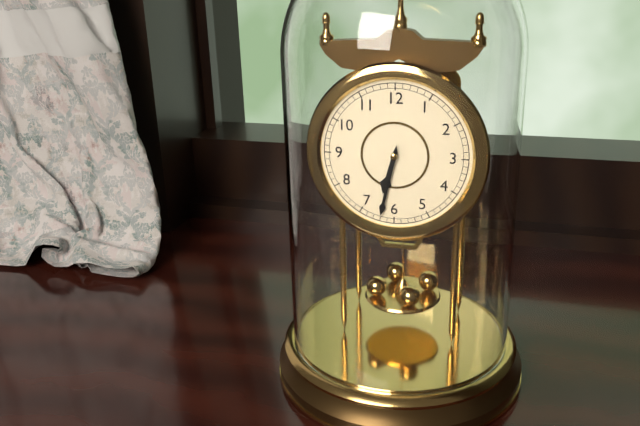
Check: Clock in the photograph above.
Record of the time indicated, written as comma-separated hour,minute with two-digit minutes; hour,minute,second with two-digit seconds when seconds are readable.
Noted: 6,32
